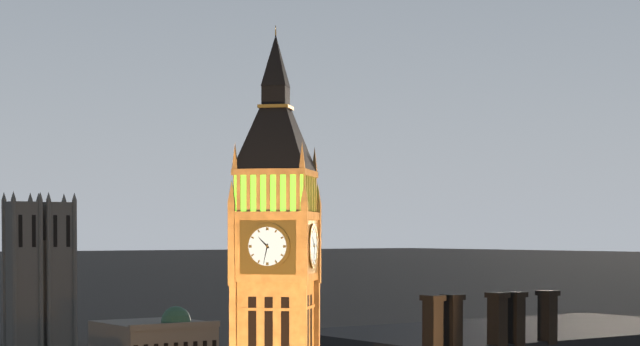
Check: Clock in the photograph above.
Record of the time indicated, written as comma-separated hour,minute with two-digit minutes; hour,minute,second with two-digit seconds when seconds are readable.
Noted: 10,32
